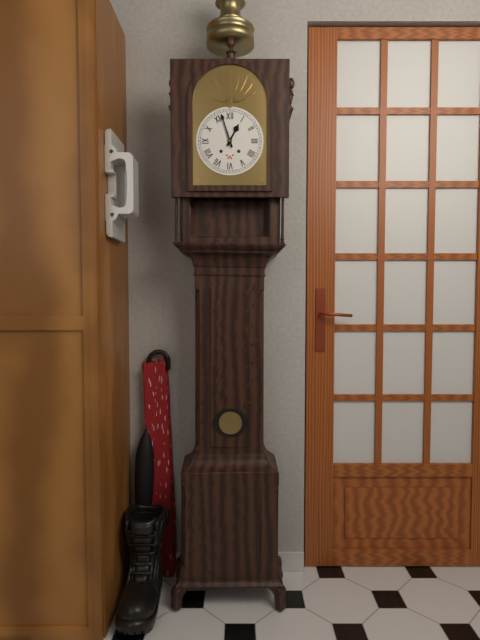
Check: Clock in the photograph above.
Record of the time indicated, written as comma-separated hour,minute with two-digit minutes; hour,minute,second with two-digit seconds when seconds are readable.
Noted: 12,57
